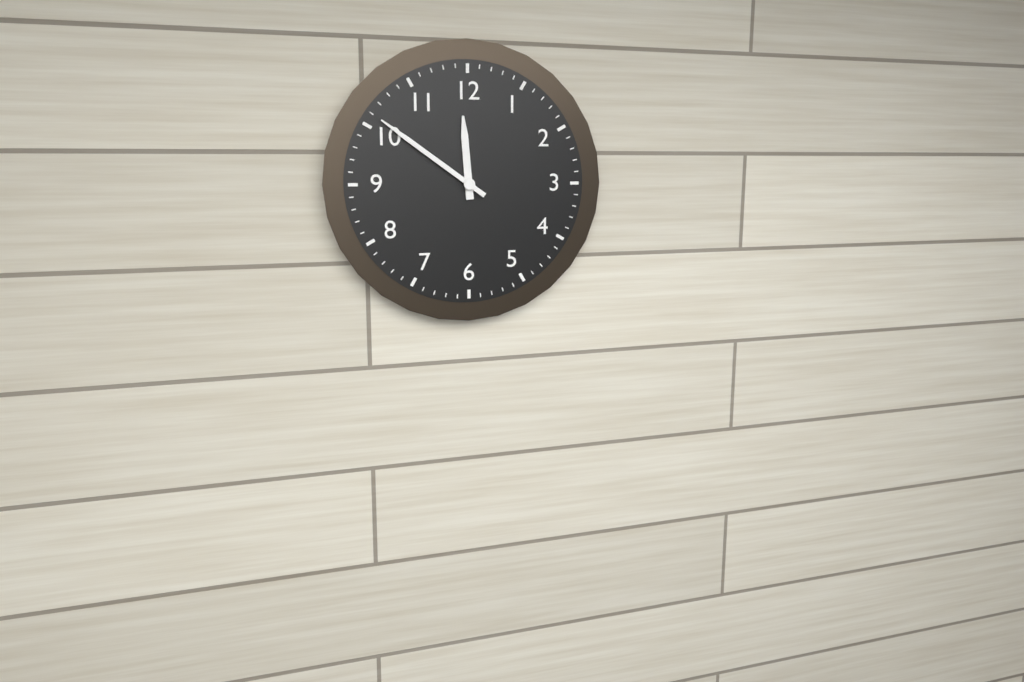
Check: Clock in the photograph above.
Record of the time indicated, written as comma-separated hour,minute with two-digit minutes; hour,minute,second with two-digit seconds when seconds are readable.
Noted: 11,51
